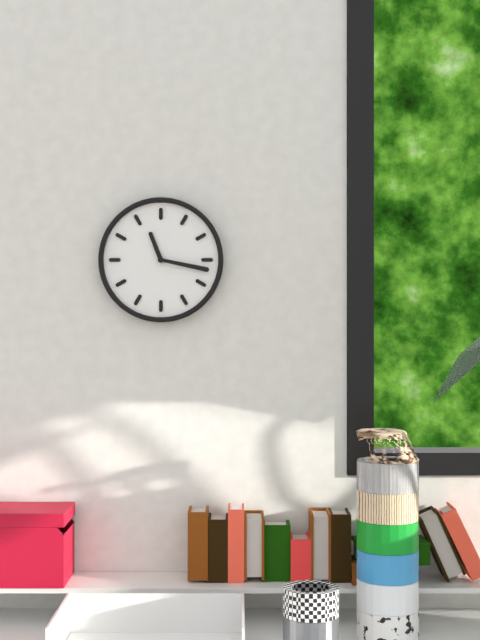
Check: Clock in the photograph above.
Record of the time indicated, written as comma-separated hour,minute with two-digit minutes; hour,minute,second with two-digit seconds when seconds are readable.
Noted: 11,17
